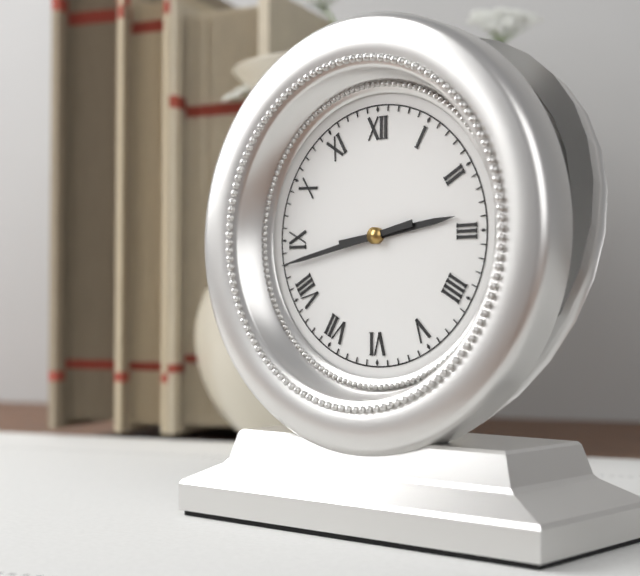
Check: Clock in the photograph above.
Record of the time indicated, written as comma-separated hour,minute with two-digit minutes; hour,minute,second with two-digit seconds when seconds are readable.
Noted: 2,43
